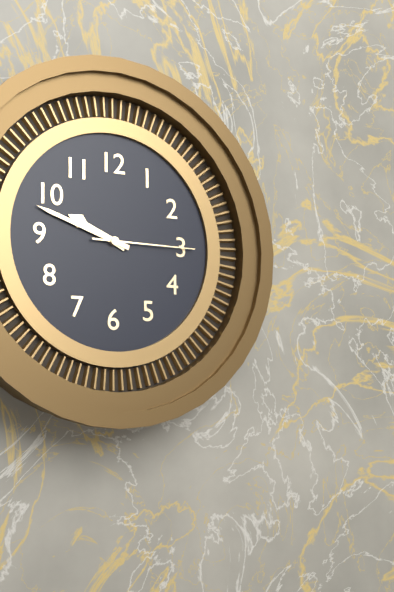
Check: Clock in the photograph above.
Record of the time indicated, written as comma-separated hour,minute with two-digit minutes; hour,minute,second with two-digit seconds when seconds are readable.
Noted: 9,48,15
